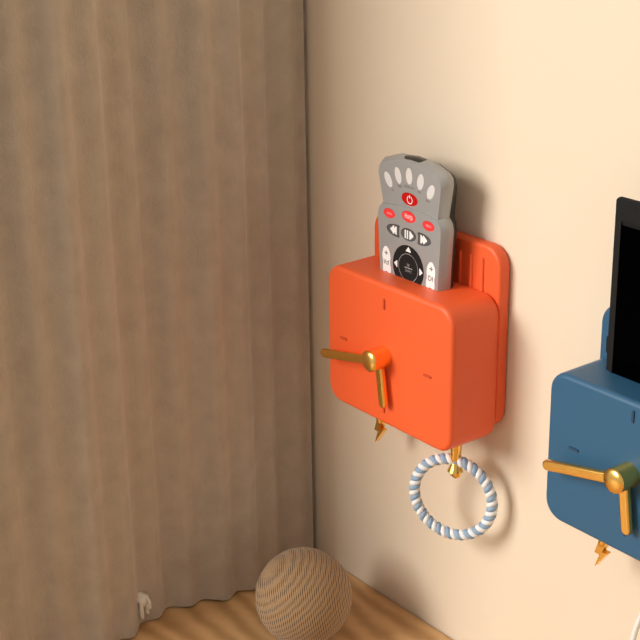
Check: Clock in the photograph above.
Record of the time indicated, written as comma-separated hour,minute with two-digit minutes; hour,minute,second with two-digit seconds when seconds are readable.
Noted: 5,43
